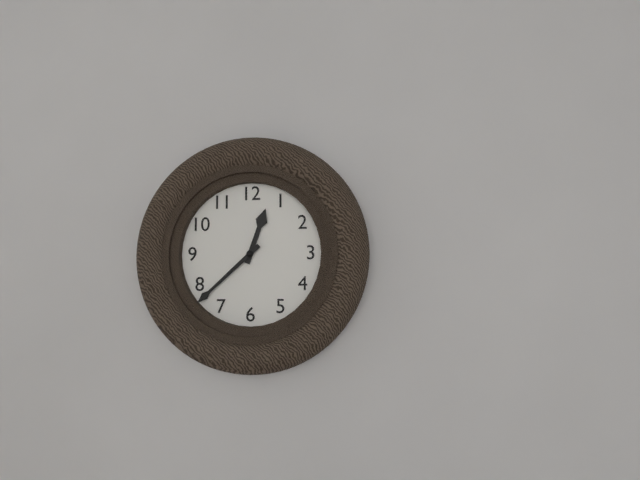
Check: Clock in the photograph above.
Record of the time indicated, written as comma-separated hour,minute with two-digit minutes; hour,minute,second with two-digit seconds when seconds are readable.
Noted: 12,38
